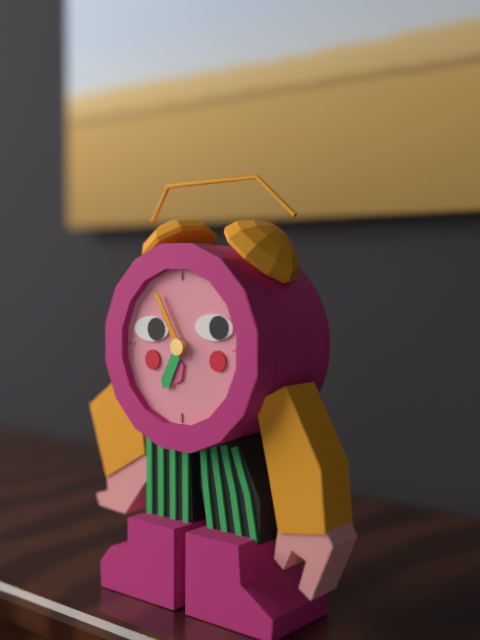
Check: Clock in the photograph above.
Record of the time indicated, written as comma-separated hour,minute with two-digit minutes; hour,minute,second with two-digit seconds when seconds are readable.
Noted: 6,55
